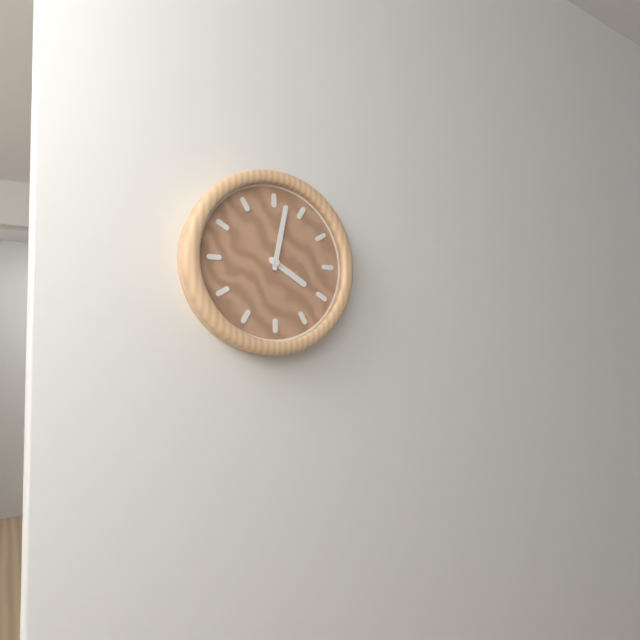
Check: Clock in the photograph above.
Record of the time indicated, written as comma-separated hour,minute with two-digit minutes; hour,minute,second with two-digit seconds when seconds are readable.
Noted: 4,02
